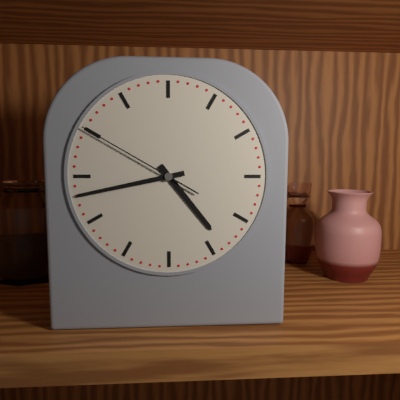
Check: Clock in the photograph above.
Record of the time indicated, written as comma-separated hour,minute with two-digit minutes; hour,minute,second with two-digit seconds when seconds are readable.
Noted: 4,43,50
